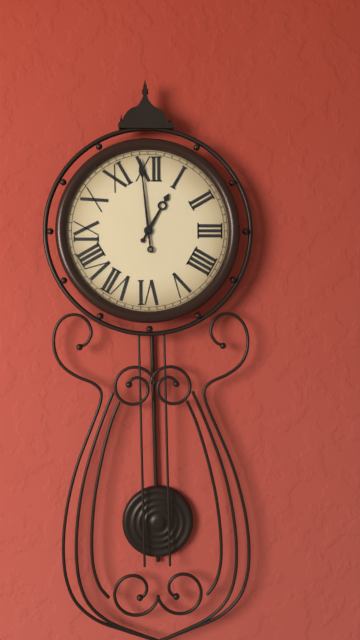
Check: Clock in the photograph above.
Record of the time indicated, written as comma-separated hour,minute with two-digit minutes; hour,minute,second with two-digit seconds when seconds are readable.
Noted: 12,59
